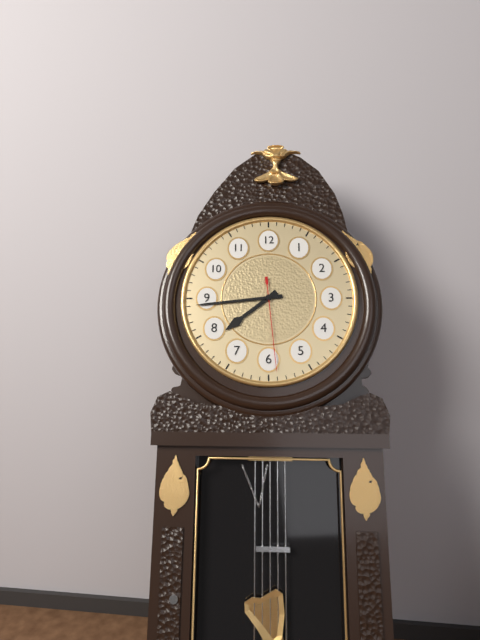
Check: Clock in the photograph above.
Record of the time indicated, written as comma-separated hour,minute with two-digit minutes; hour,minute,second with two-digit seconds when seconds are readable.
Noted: 7,44,29
